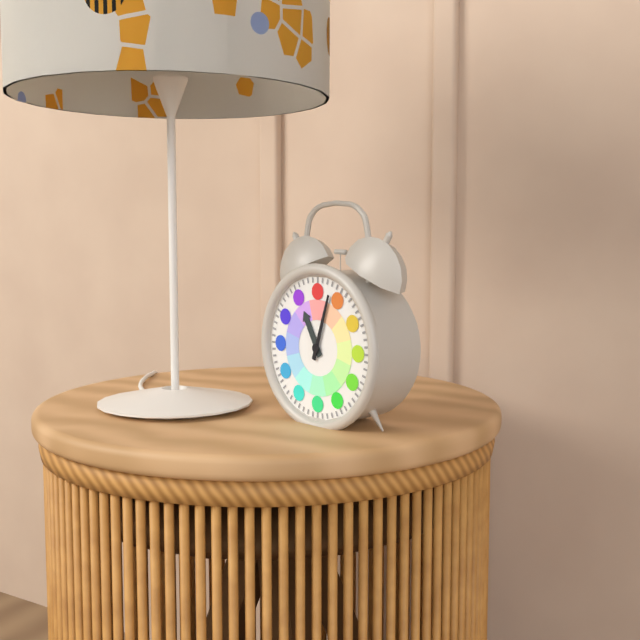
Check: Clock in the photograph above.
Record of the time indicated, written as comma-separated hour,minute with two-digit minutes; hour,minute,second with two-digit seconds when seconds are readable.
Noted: 11,03
